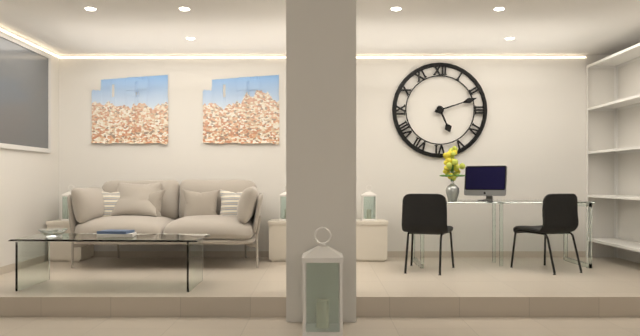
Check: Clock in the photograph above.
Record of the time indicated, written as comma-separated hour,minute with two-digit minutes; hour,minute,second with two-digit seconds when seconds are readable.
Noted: 5,12
